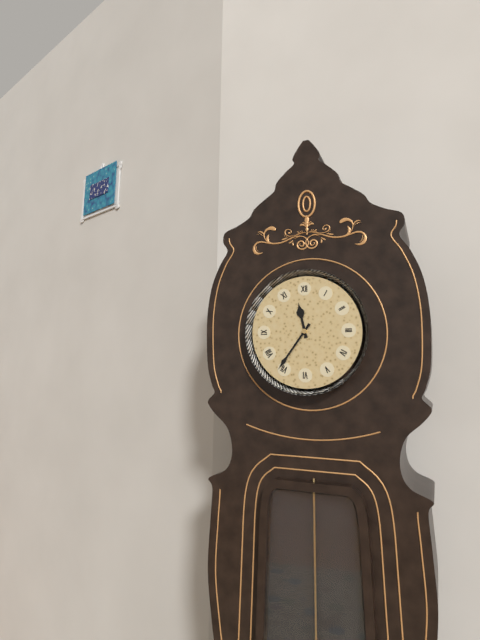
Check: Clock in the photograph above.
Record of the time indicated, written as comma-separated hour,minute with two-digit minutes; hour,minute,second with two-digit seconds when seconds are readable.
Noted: 11,36
